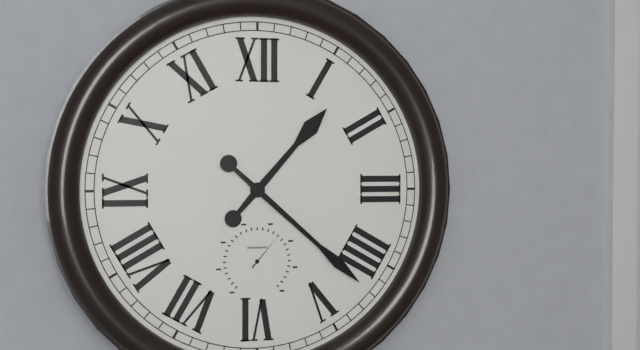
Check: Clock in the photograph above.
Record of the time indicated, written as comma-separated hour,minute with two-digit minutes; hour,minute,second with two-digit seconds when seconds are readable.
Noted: 1,22
